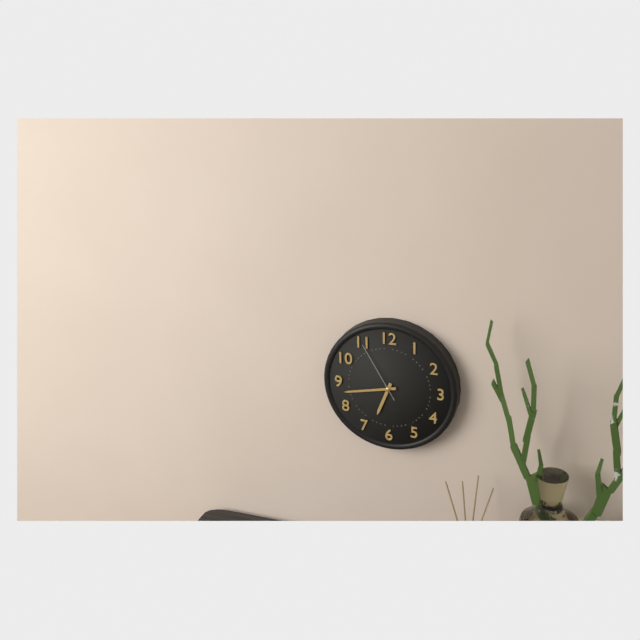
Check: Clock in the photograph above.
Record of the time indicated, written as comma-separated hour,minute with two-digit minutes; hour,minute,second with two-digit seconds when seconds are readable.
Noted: 6,43,55
